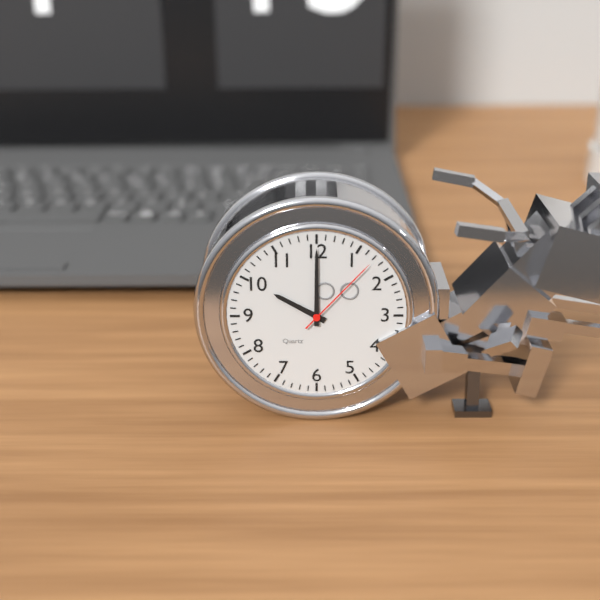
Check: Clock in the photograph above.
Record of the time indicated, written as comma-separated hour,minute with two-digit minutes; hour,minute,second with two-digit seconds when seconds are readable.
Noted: 10,00,07
